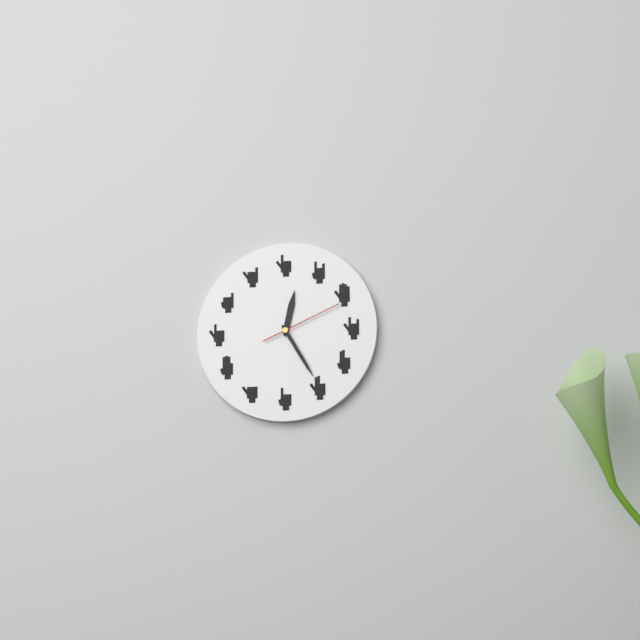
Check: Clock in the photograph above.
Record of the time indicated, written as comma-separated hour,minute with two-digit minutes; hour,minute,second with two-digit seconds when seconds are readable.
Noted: 12,25,11
